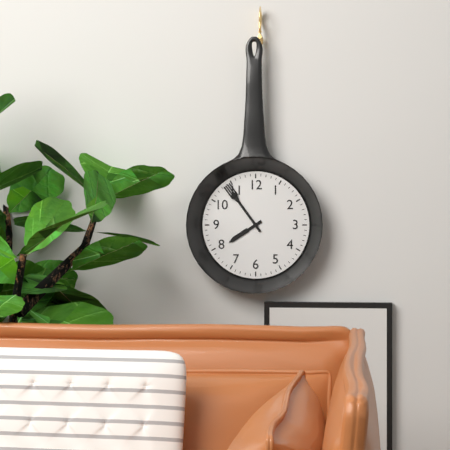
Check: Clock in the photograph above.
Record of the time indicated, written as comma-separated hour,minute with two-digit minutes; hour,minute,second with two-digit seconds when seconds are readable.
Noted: 7,54
